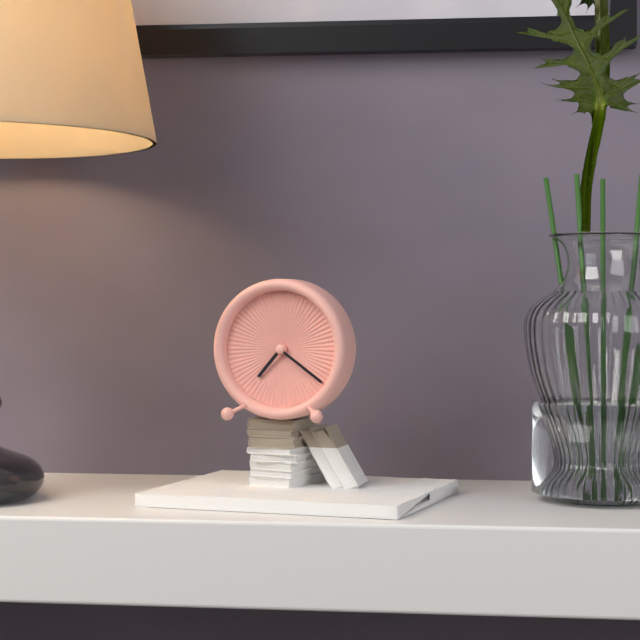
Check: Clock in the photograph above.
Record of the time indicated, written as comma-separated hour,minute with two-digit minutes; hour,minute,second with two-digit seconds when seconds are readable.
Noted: 7,21
